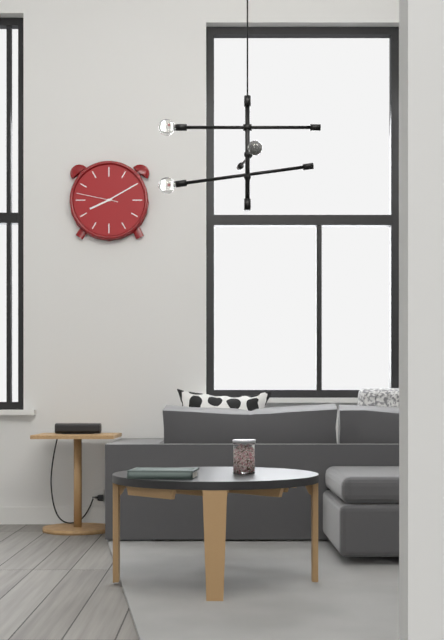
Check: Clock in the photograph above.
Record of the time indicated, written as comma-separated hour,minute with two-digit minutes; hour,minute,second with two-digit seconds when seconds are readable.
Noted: 8,10
